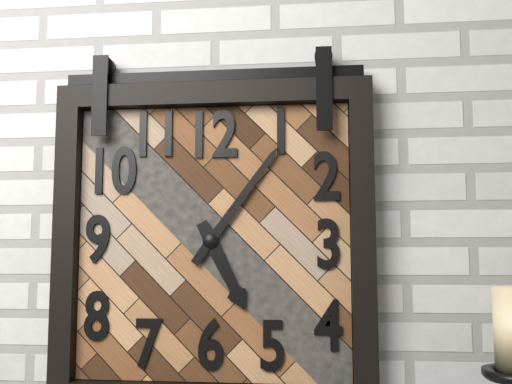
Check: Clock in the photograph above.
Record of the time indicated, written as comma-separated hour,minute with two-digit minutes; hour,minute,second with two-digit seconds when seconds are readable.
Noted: 5,06
